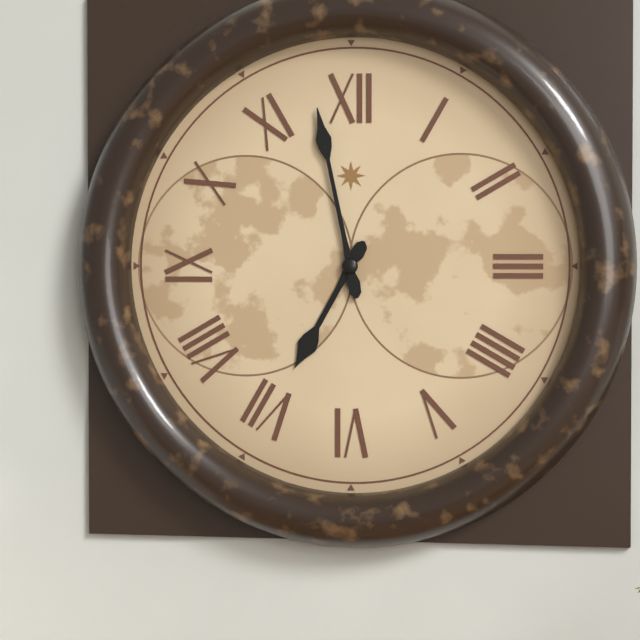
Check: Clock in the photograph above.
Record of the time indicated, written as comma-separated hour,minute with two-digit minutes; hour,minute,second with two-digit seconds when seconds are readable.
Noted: 6,58
